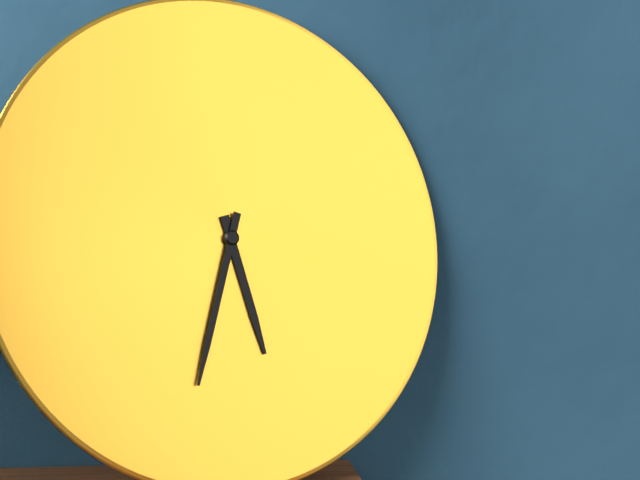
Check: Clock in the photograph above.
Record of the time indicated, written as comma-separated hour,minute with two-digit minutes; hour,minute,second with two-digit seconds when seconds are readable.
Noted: 5,33
